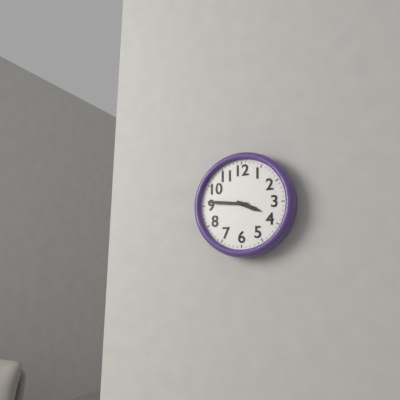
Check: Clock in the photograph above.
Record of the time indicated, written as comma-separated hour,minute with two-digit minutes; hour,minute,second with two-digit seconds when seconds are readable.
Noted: 3,46
